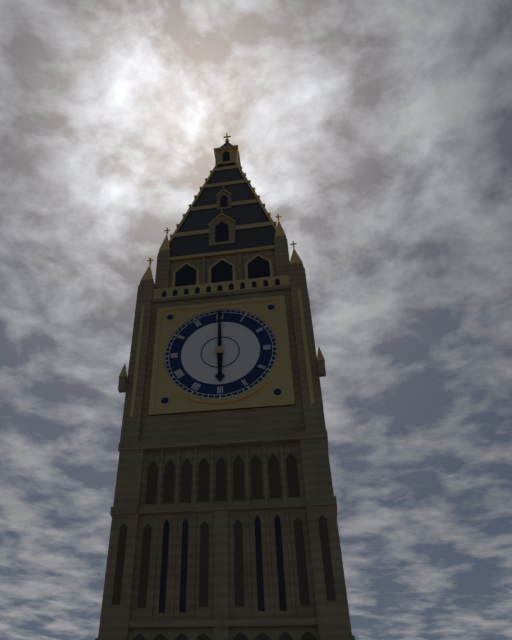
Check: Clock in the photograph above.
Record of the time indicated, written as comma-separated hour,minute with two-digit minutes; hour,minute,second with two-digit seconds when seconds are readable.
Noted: 6,00
